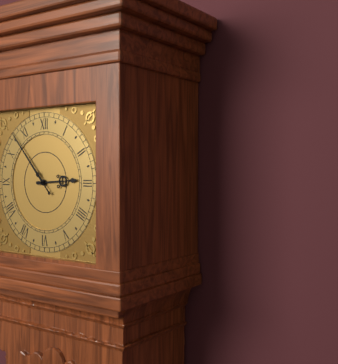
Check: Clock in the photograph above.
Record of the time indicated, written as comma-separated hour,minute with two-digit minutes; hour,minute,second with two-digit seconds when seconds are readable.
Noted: 2,53
